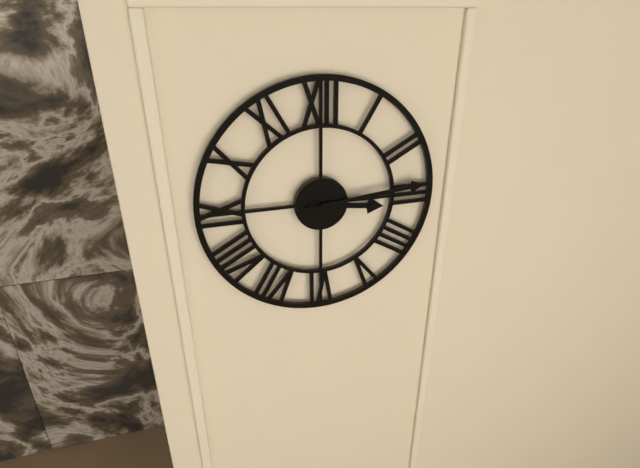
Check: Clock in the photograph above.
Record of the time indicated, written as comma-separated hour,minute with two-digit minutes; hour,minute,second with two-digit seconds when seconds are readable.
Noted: 3,14
